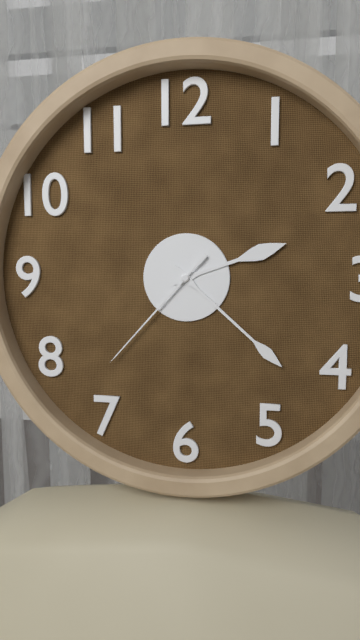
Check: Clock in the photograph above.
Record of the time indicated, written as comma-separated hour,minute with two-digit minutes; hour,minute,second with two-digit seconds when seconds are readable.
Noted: 2,22,37
